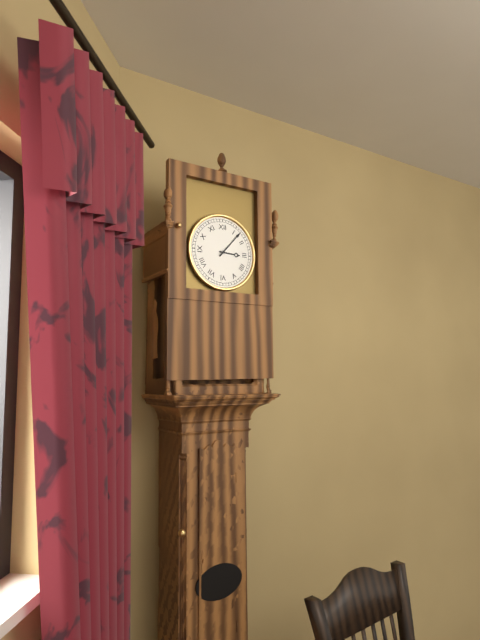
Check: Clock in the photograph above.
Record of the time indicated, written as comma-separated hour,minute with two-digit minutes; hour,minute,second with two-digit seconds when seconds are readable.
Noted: 3,07
